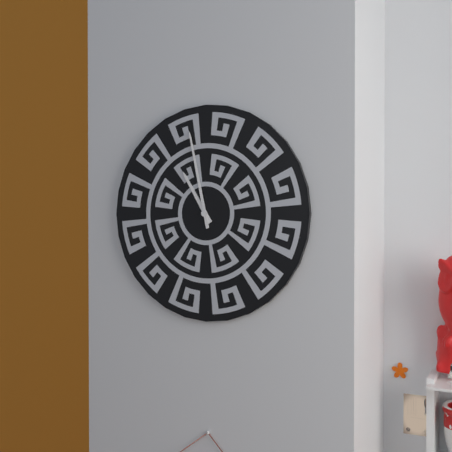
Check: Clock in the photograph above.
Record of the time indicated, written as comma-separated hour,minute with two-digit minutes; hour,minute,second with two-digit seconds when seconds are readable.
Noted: 10,58
